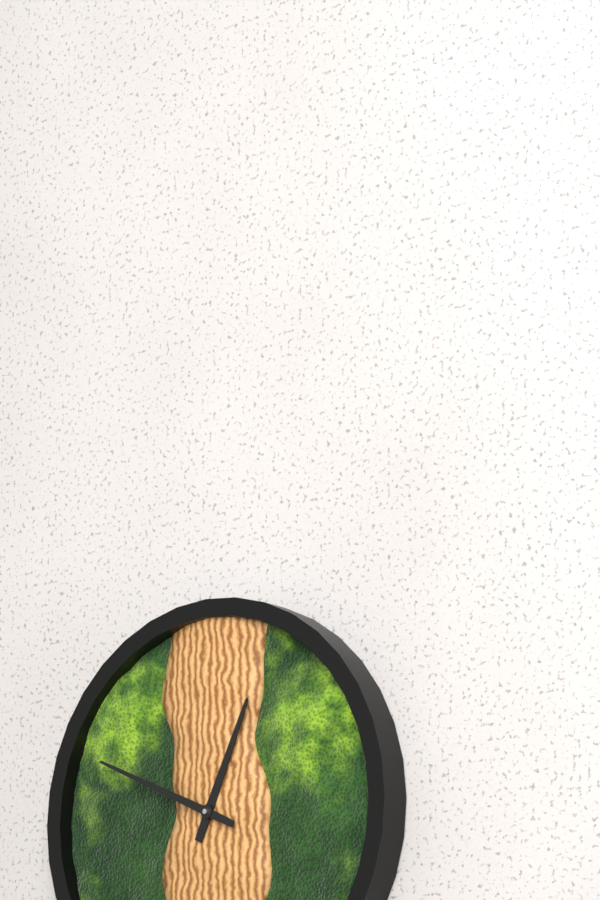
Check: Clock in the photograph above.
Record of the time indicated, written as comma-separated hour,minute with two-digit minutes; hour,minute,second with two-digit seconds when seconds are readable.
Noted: 12,49
